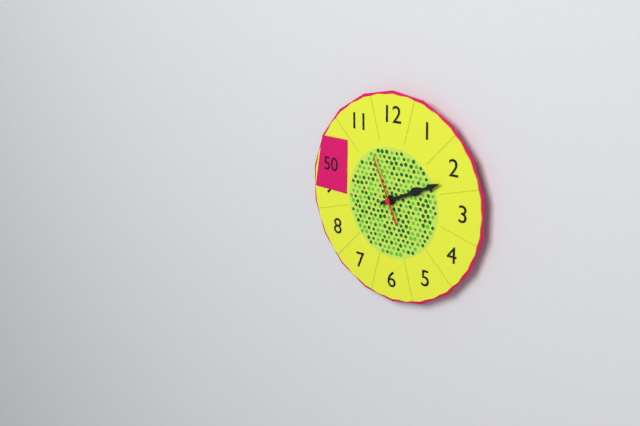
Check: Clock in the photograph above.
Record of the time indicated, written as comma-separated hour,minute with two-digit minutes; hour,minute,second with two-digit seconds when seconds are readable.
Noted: 2,11,56
